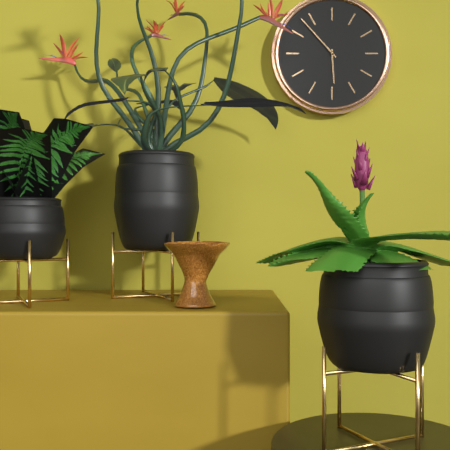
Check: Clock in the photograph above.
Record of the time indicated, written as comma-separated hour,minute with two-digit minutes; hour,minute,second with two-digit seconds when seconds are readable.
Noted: 5,53
